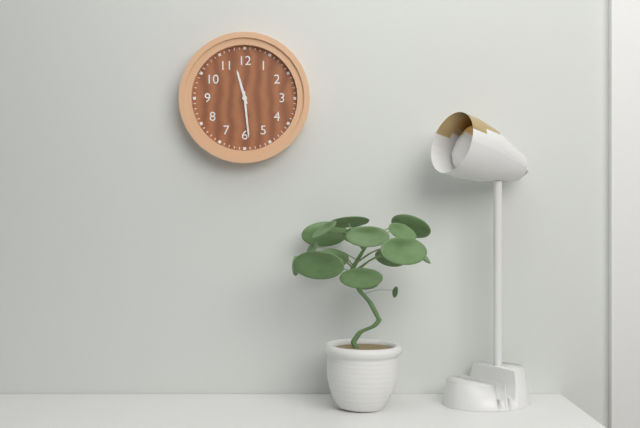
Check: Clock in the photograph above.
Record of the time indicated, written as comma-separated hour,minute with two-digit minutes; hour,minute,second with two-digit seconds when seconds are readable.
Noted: 11,29
